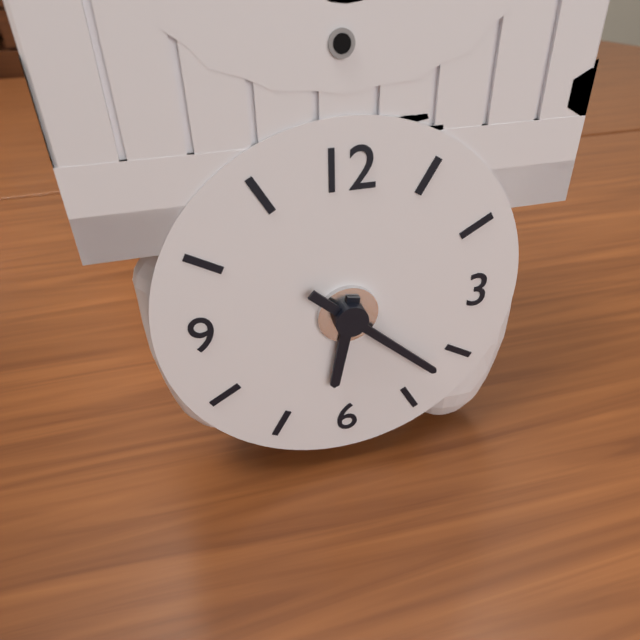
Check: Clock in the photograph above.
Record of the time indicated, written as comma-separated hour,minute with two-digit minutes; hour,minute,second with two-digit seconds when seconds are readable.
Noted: 6,22
